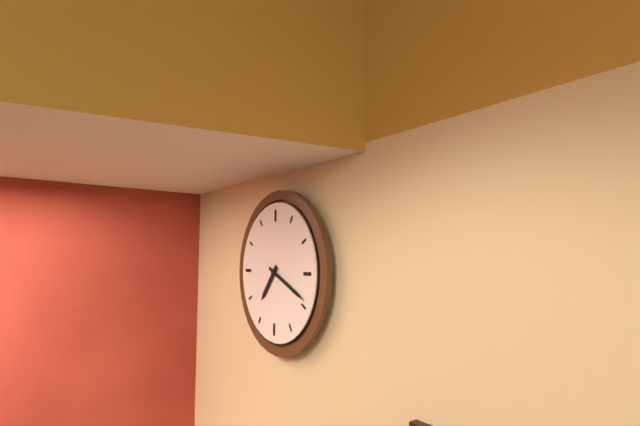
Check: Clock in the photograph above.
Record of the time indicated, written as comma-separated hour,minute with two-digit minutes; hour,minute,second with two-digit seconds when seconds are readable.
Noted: 7,19
